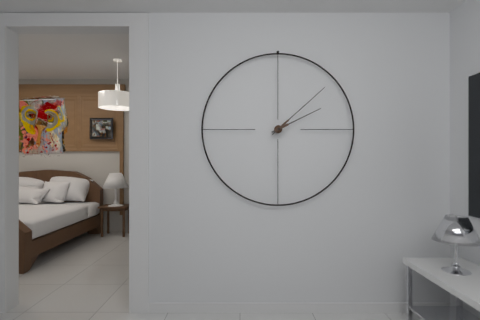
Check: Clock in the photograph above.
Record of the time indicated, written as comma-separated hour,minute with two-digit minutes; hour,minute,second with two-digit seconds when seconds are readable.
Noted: 2,08
